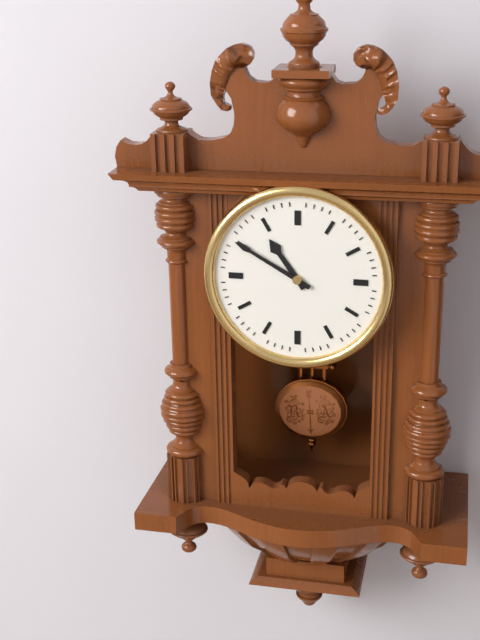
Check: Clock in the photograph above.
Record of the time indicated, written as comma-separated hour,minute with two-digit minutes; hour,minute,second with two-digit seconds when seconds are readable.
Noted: 10,50
